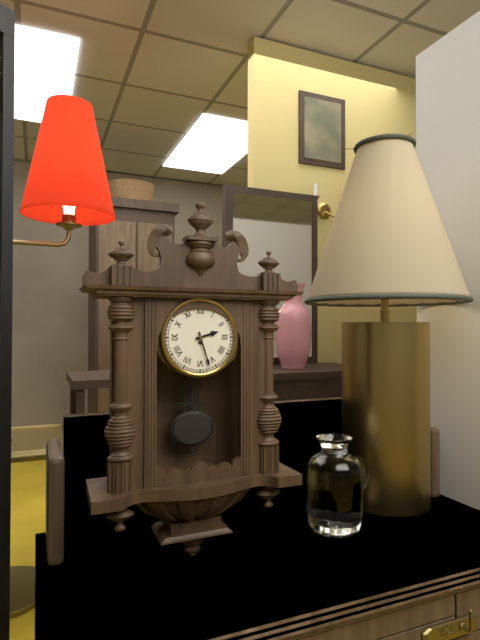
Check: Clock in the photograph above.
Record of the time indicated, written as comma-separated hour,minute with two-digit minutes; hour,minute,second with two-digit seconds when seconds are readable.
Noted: 2,27
